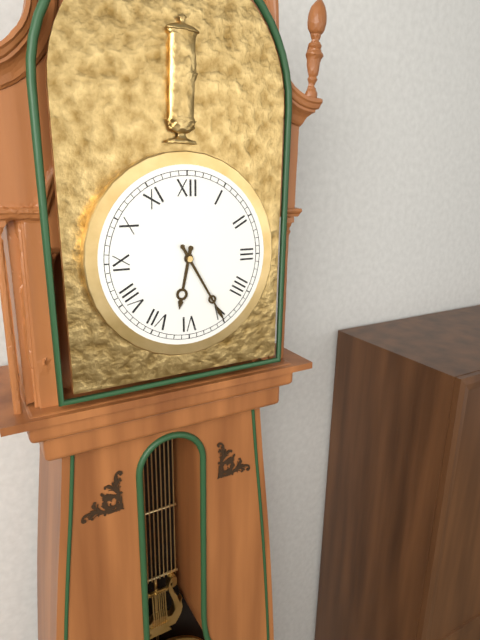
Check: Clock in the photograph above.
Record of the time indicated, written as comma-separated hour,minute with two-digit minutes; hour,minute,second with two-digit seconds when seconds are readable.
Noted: 6,25
